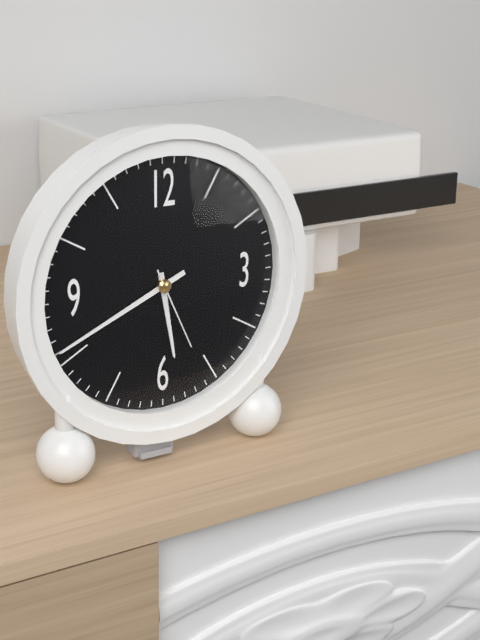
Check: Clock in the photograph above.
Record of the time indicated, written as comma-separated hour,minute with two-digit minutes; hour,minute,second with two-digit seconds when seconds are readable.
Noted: 5,41,26
